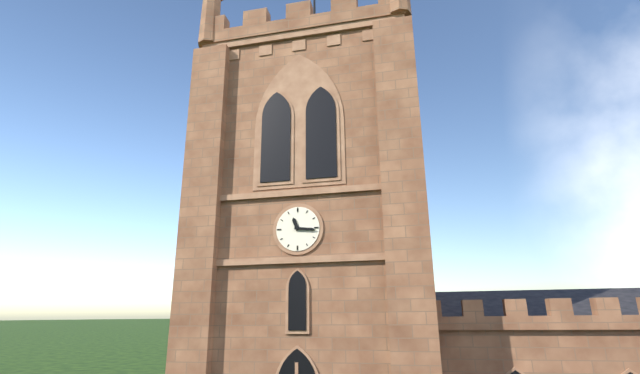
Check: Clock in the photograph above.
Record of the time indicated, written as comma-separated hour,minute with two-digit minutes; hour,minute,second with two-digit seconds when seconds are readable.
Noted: 11,16
